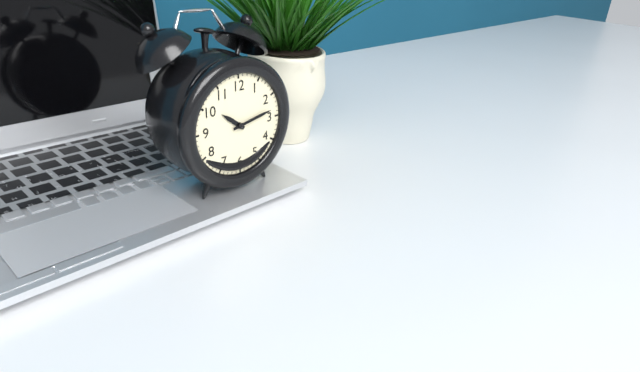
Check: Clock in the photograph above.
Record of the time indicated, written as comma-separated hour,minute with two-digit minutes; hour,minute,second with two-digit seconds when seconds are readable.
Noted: 10,13
